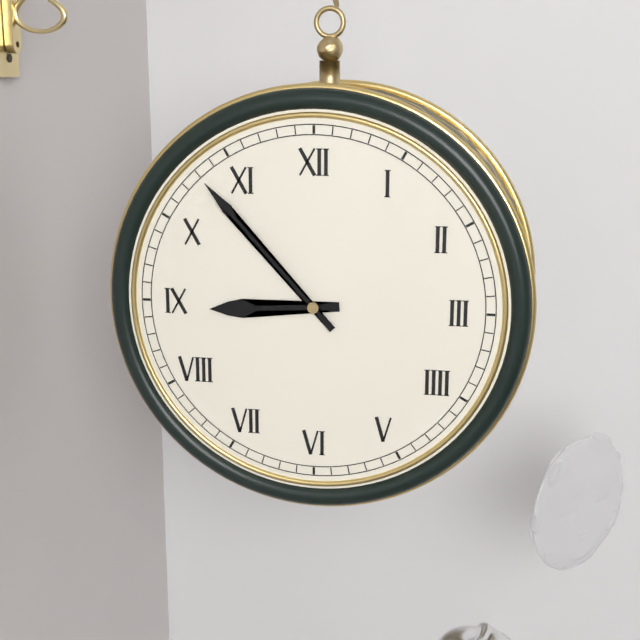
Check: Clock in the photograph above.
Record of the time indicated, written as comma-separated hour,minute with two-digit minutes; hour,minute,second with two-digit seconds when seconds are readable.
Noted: 8,53
